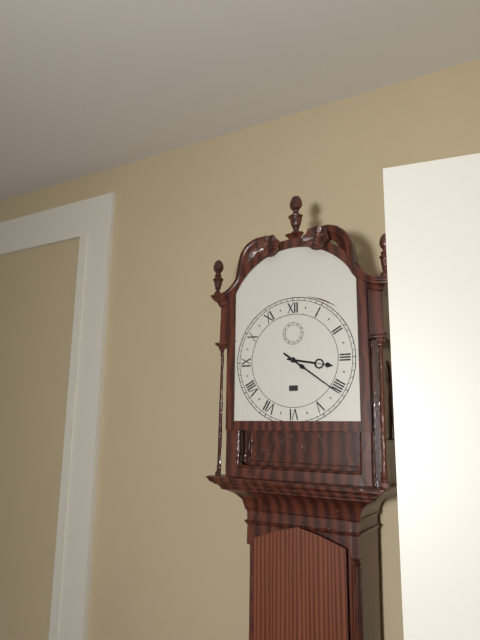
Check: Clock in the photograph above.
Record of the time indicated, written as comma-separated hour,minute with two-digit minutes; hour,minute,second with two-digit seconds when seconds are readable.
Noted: 3,21
